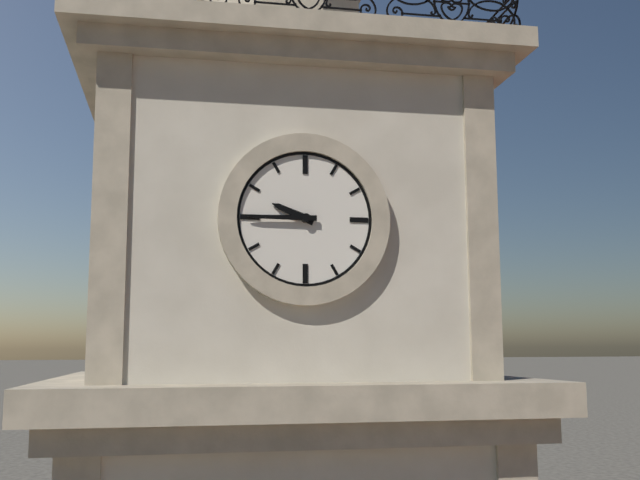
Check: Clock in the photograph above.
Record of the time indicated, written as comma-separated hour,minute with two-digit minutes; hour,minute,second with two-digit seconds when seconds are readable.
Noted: 9,45
